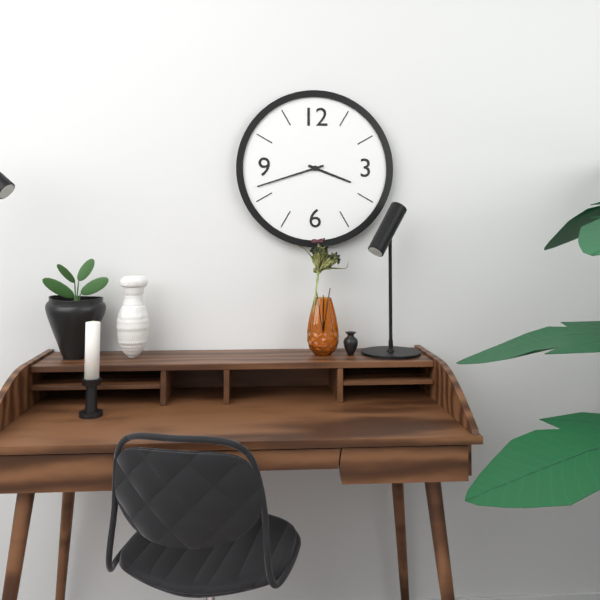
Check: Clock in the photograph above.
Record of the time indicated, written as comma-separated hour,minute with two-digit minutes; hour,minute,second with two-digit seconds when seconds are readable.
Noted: 3,42
